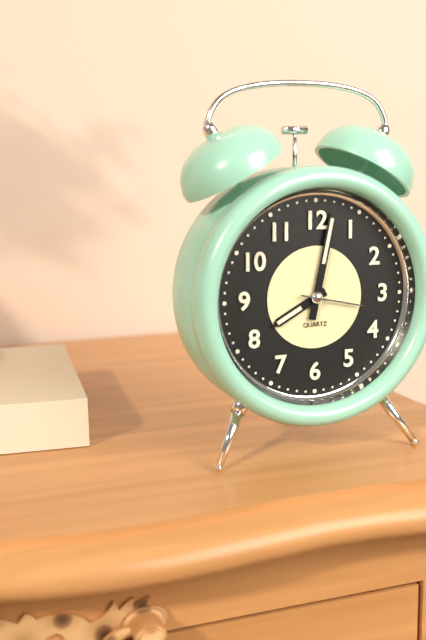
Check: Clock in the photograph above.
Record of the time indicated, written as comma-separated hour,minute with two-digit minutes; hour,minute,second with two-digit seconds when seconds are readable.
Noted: 8,02,17
